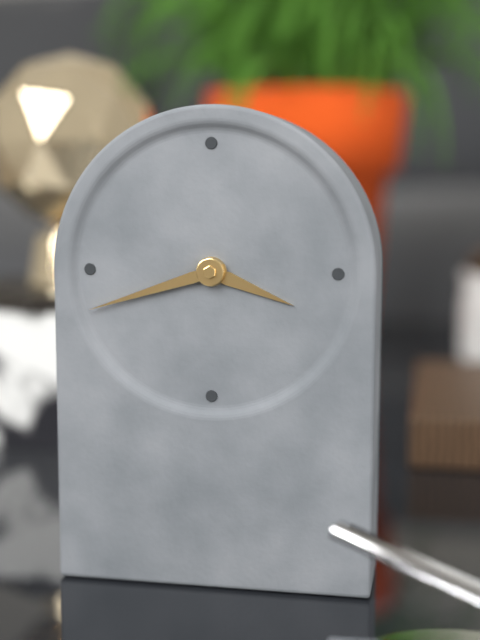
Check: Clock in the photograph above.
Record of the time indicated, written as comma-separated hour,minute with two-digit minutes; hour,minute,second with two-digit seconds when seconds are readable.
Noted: 3,42
